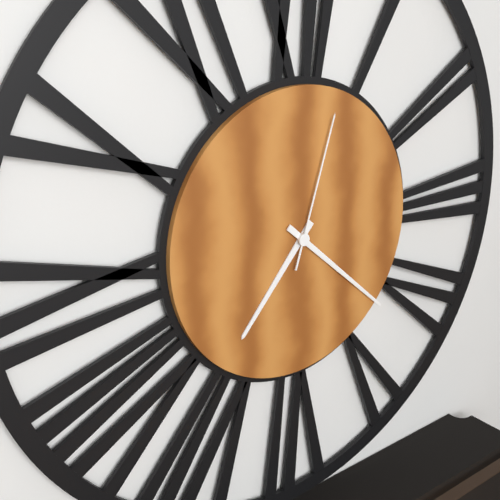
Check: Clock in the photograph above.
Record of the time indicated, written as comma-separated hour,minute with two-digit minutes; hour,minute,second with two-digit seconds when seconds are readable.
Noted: 7,22,03
